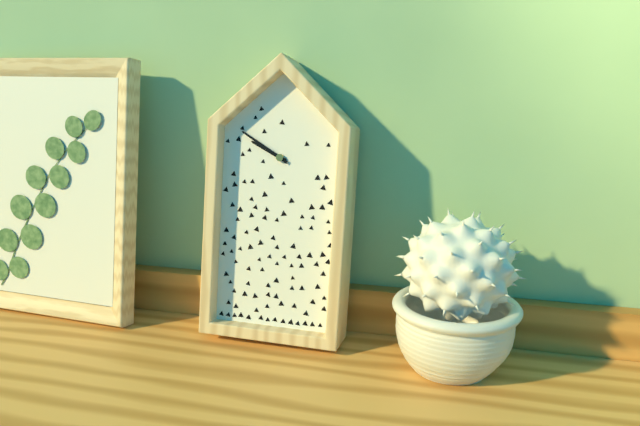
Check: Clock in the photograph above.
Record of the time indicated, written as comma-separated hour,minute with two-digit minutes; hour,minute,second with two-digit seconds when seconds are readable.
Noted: 9,50
